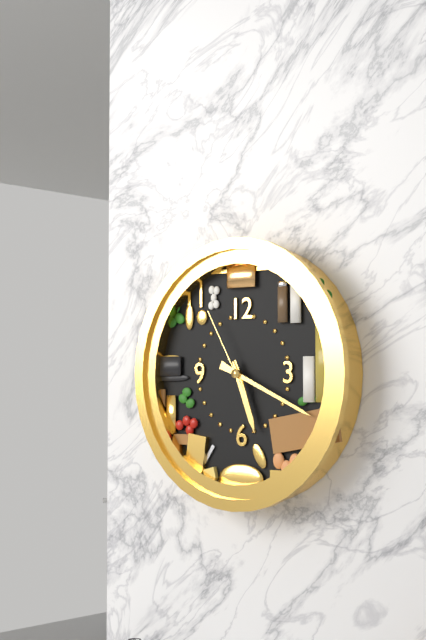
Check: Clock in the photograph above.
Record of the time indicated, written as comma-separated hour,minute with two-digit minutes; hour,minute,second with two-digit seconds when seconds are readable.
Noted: 5,19,55
